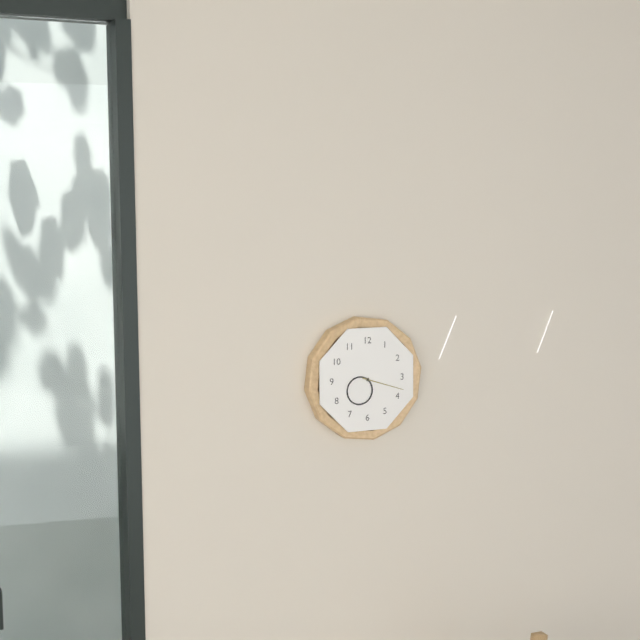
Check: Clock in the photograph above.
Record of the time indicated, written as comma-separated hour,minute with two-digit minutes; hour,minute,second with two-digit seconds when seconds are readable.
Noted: 7,18
